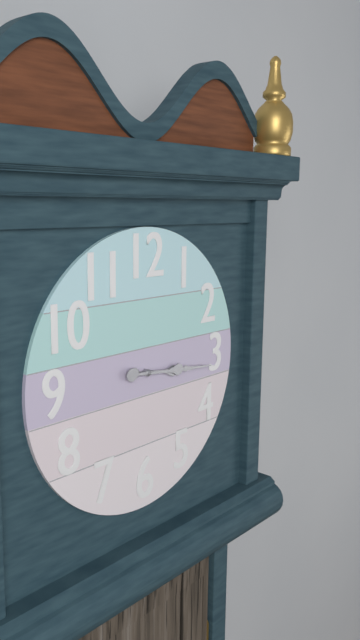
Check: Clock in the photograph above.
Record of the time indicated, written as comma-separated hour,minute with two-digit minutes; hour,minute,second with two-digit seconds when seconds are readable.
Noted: 3,16
